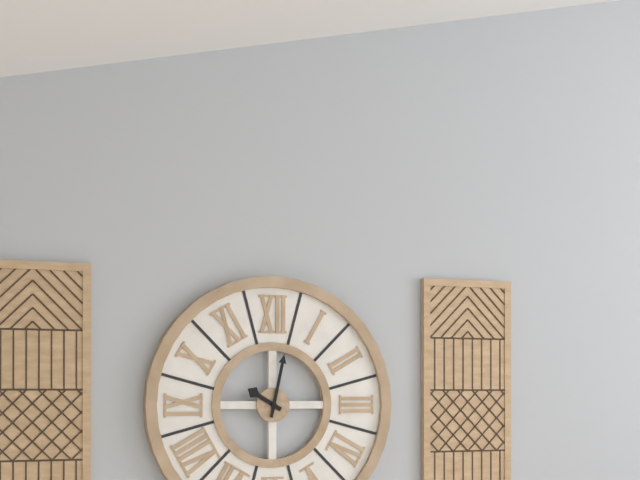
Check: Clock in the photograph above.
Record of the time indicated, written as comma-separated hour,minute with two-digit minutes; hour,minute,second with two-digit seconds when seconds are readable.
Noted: 10,02
